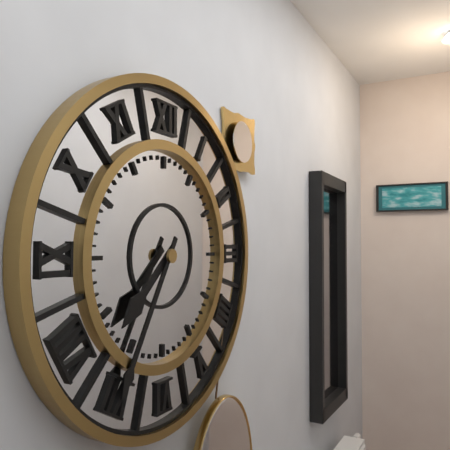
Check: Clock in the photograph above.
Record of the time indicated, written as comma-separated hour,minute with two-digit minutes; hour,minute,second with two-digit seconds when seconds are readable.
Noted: 7,35
